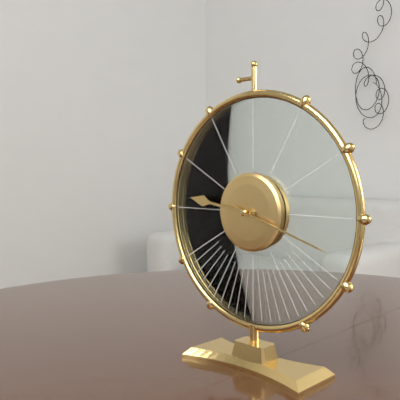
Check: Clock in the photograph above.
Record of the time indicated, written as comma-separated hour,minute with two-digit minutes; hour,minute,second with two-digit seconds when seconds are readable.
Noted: 9,18
